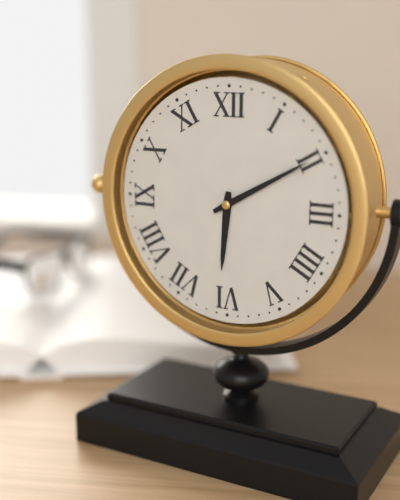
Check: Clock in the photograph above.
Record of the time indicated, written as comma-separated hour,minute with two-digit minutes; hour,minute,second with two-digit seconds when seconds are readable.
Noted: 6,10
